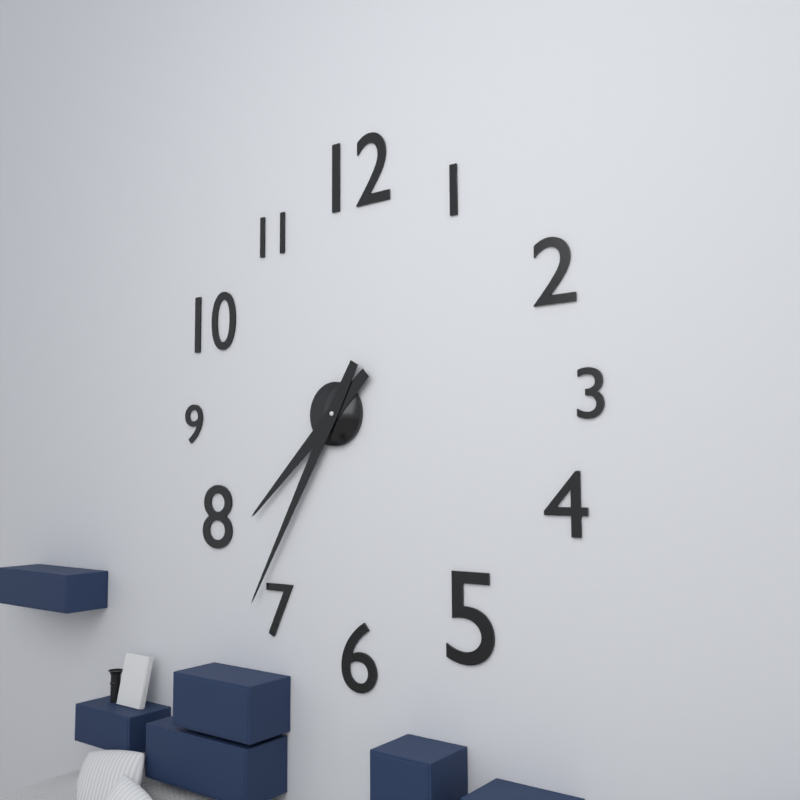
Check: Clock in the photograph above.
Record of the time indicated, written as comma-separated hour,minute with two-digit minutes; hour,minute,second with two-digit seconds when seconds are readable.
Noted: 7,35
